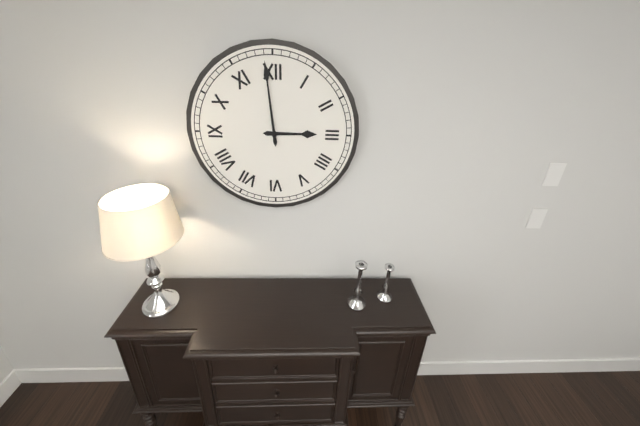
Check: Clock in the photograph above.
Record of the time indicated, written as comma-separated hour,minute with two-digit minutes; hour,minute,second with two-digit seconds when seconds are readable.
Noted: 2,59
